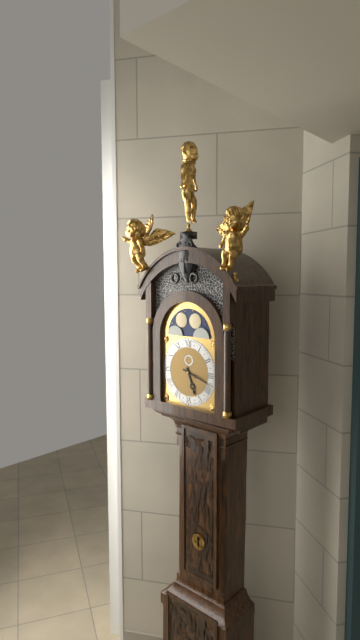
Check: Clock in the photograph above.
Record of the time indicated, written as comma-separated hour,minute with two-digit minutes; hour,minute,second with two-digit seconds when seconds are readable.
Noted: 5,18
